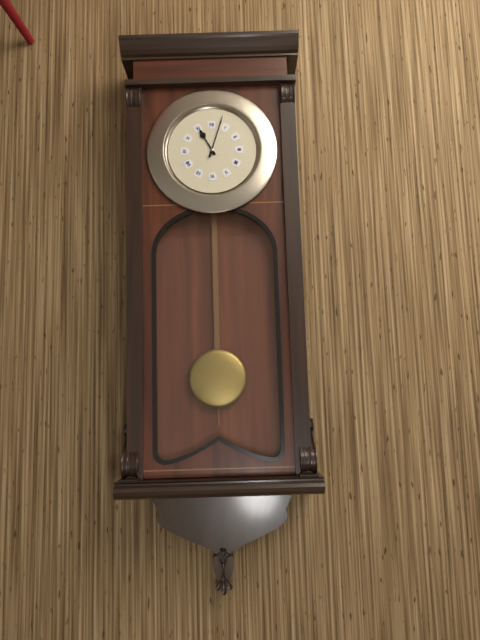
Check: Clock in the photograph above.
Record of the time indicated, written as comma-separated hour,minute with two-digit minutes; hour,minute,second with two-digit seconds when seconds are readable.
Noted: 11,03
